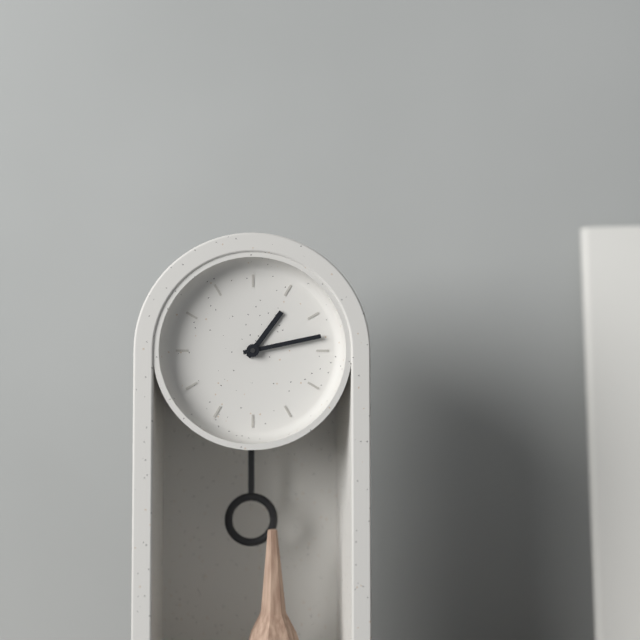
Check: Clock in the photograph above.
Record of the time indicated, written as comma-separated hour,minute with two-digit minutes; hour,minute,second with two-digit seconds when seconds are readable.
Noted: 1,13
